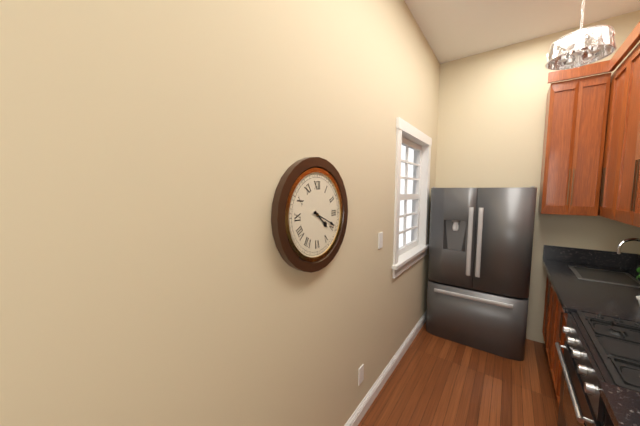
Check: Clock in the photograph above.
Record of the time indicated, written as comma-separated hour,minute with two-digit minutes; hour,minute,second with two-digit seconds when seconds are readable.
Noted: 4,19
